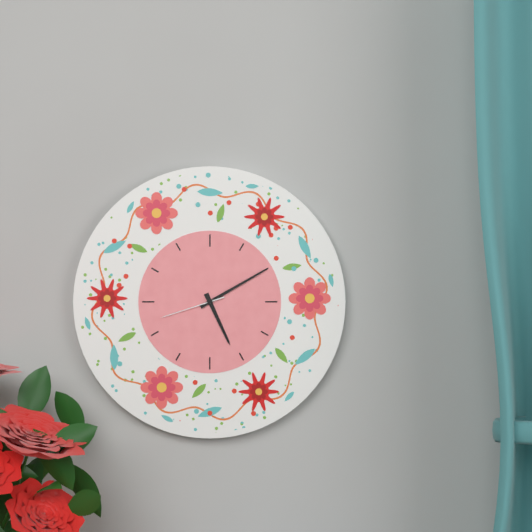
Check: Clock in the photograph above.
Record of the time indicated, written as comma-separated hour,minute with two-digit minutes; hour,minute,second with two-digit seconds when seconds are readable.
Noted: 5,10,42
